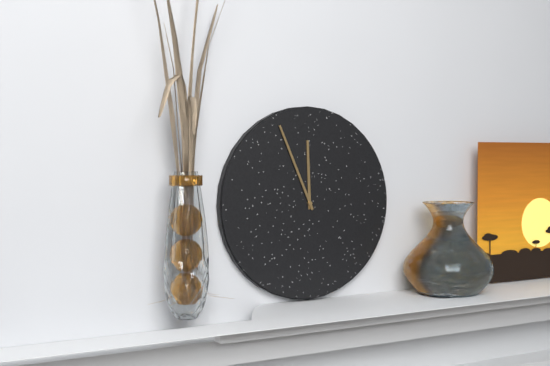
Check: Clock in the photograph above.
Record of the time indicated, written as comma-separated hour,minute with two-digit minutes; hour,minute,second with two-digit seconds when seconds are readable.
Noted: 11,56
